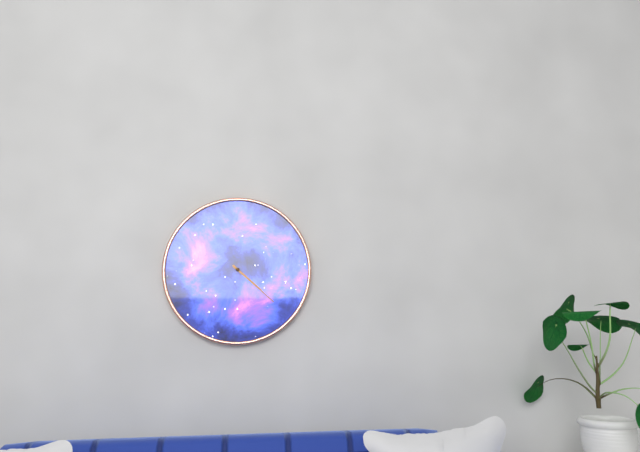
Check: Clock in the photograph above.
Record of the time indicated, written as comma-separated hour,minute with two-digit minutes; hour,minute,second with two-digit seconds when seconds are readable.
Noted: 4,22
